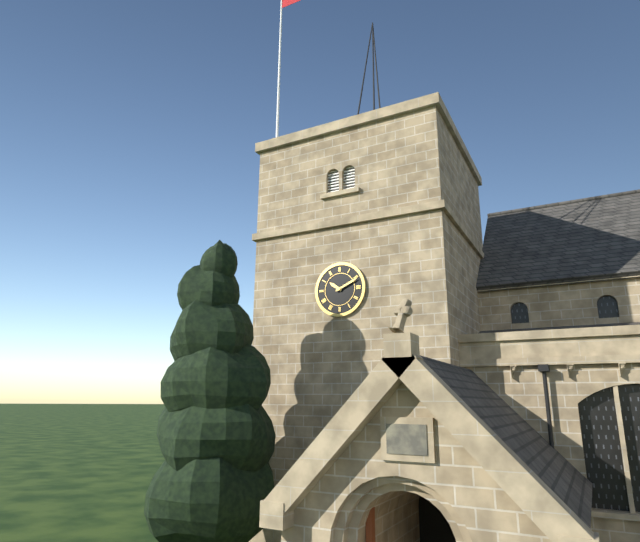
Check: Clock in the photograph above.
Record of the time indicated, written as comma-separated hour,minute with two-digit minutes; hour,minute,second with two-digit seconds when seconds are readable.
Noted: 10,11
